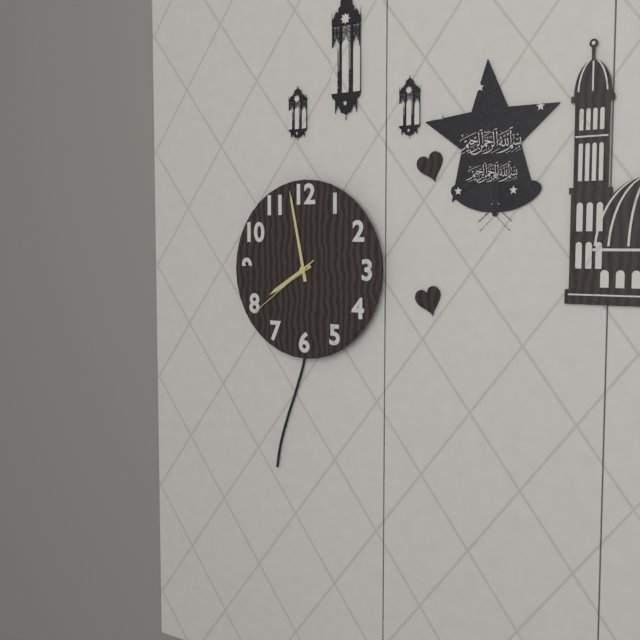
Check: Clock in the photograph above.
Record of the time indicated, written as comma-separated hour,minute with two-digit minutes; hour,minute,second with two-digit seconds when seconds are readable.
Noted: 7,58,39
